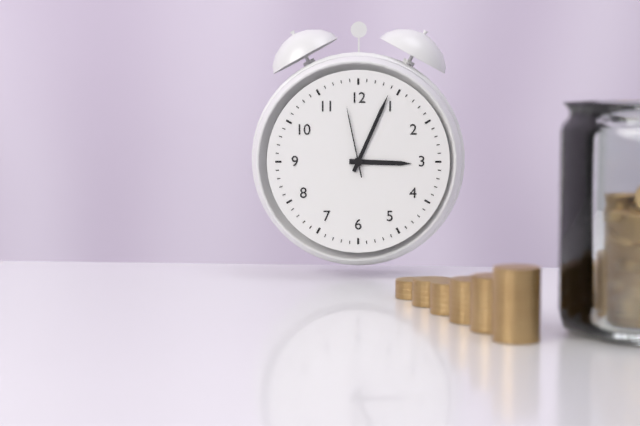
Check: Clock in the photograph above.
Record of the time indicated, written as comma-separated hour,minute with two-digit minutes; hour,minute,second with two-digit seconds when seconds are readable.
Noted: 3,04,58
